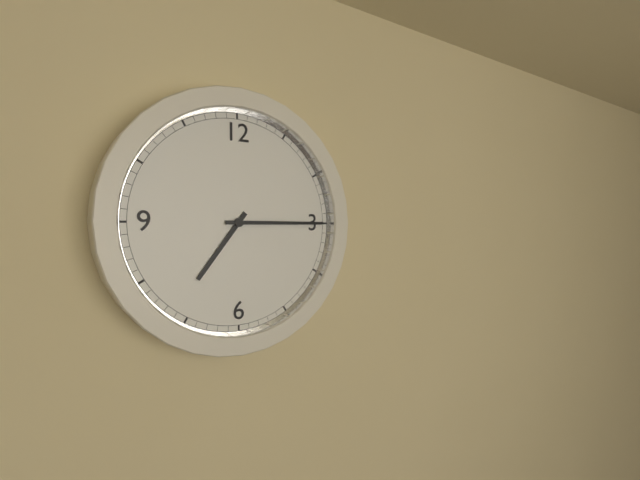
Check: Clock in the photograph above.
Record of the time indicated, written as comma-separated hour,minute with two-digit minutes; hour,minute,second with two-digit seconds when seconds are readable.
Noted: 7,15
